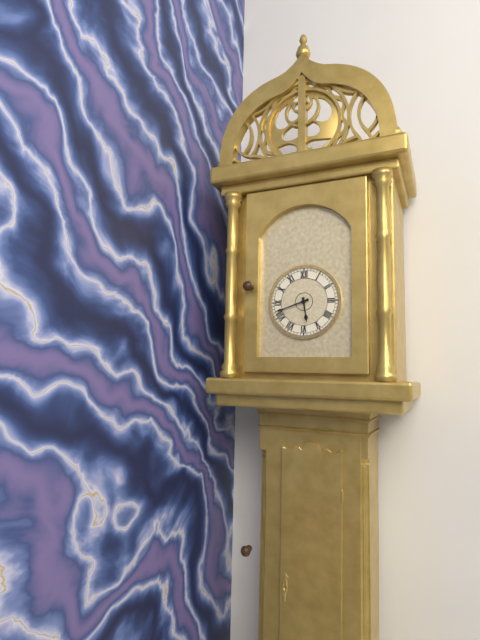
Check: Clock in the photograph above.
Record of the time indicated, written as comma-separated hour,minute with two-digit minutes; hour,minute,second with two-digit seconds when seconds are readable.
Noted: 5,42
